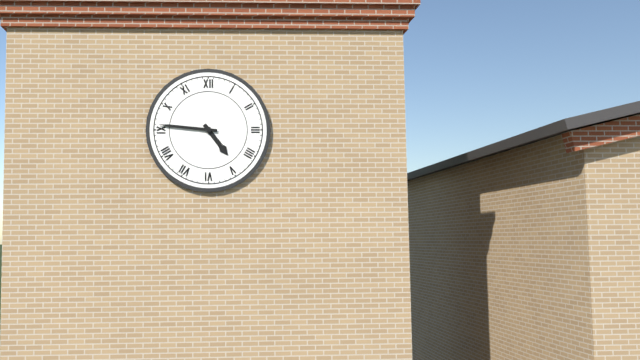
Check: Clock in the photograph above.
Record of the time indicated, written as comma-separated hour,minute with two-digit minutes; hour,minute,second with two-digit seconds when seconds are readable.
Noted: 4,46
